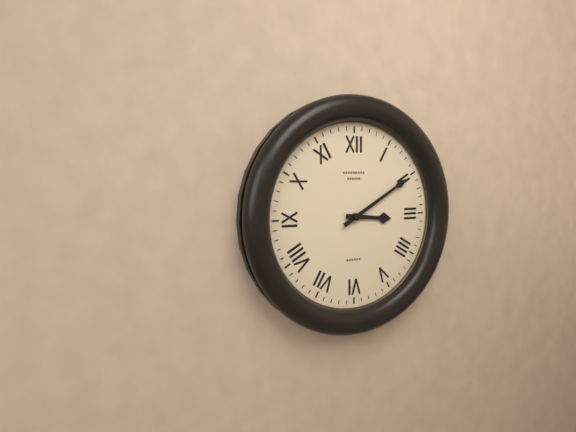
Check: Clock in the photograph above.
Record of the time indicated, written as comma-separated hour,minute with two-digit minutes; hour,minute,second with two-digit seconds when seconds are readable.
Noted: 3,10
